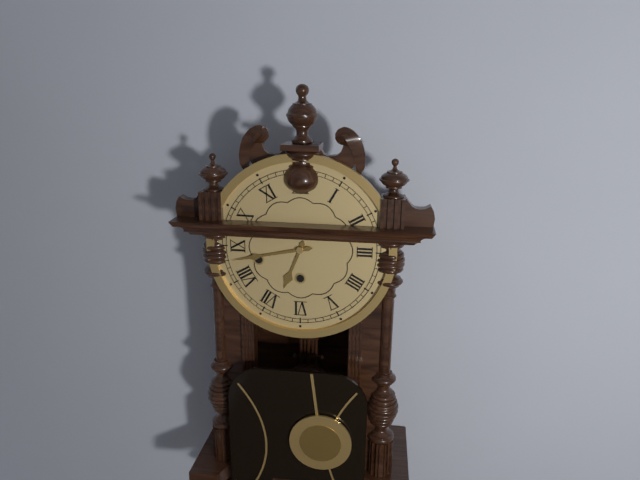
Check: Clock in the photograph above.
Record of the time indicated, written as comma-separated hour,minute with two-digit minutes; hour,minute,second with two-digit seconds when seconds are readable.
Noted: 6,43
